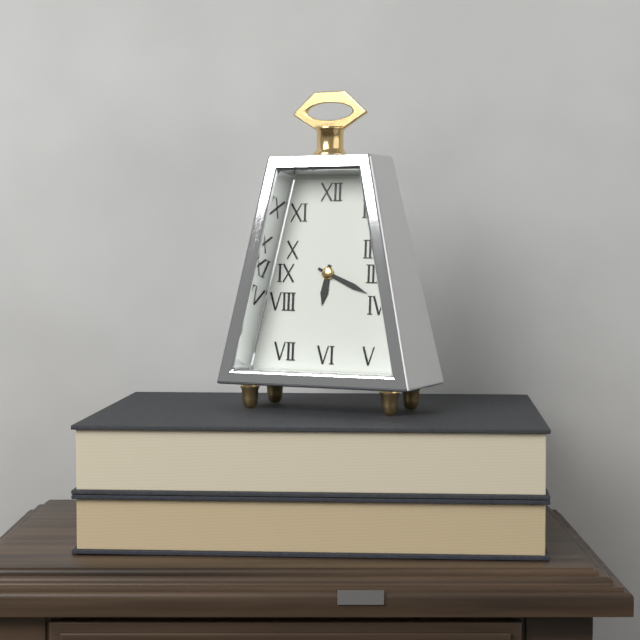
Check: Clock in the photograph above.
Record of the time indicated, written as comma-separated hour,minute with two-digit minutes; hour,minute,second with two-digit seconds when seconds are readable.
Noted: 6,19
